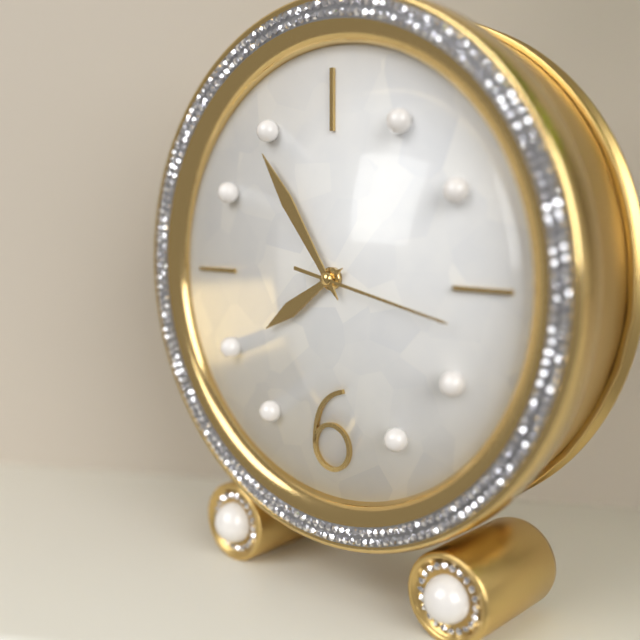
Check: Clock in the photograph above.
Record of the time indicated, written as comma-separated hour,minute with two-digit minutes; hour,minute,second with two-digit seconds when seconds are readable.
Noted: 7,54,17
